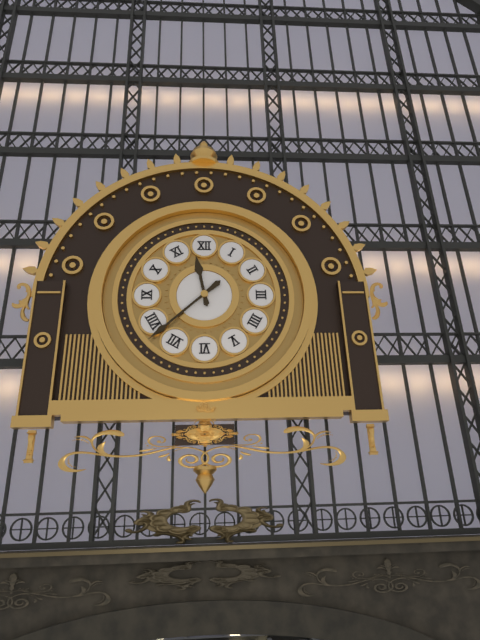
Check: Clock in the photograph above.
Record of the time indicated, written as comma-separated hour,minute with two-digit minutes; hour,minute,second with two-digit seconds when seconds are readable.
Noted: 11,38
